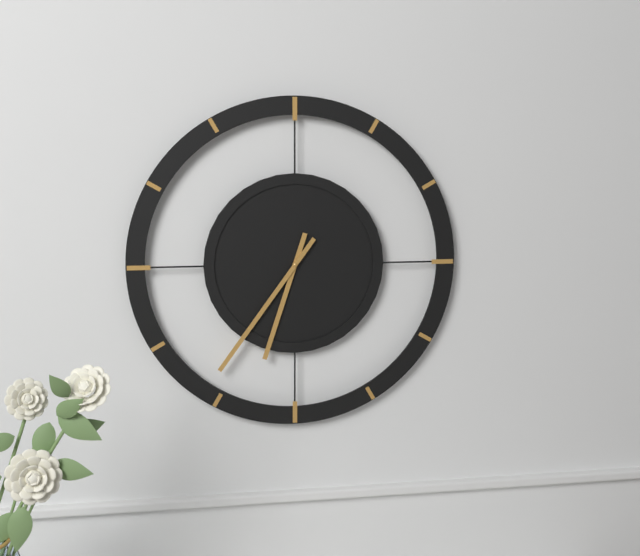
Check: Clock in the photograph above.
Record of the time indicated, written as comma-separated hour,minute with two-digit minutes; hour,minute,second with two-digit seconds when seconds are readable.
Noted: 6,36
